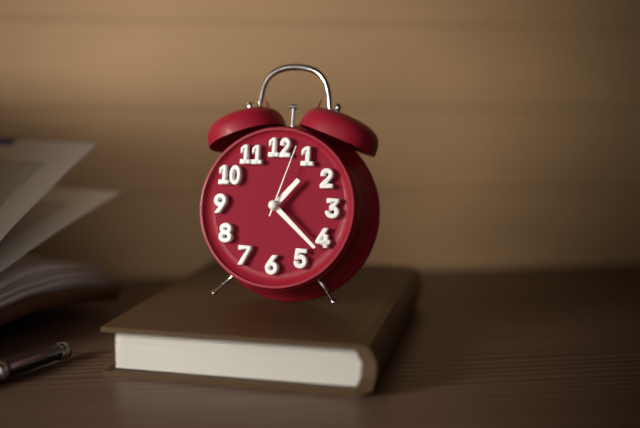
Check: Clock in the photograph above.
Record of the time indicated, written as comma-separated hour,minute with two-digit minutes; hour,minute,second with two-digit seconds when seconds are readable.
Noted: 1,22,03
